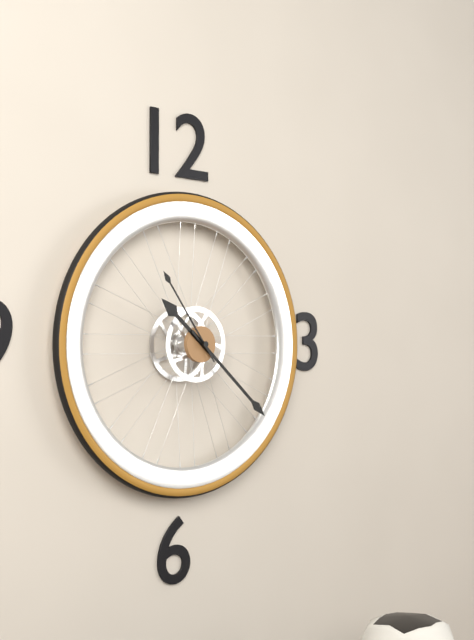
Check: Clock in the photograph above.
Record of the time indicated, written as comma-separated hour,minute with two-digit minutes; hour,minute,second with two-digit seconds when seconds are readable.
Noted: 10,22,54
